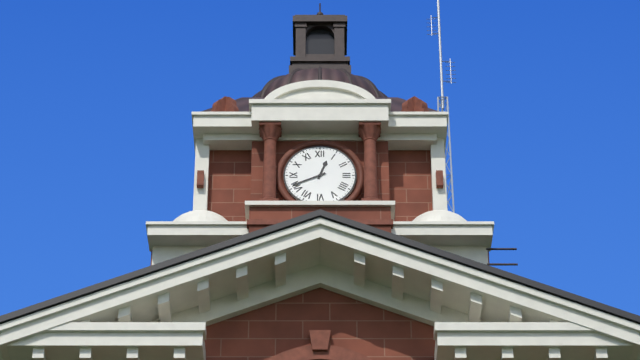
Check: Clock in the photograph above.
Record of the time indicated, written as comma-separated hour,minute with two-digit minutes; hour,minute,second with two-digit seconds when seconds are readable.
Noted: 12,41
